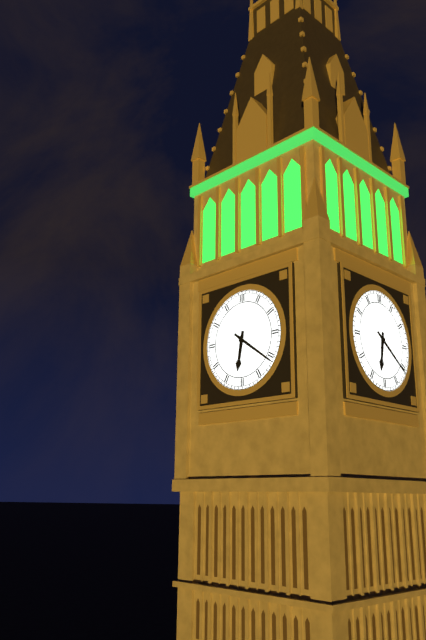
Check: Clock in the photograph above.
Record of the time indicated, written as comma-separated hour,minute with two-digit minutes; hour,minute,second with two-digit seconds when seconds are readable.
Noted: 6,21
